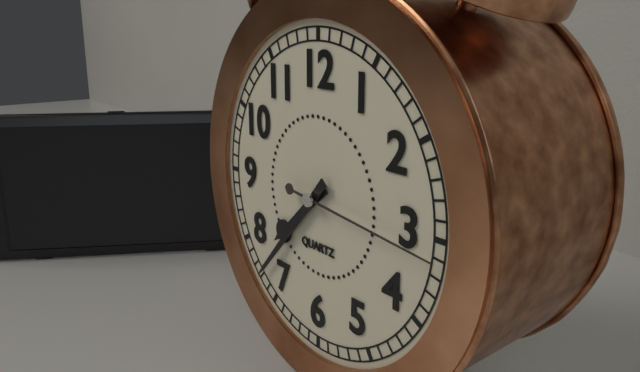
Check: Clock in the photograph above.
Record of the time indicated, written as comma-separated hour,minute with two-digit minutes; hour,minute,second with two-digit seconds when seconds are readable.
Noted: 7,37,16
